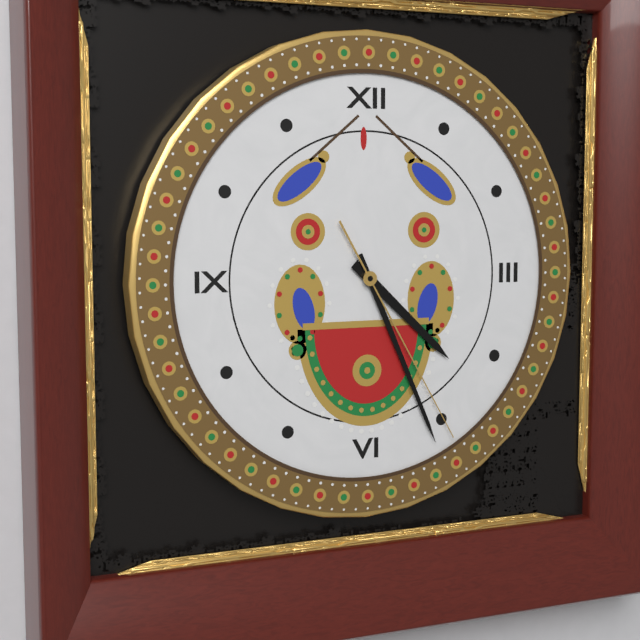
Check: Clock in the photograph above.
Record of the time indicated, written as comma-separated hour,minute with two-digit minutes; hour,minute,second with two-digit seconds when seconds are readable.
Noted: 4,26,25
